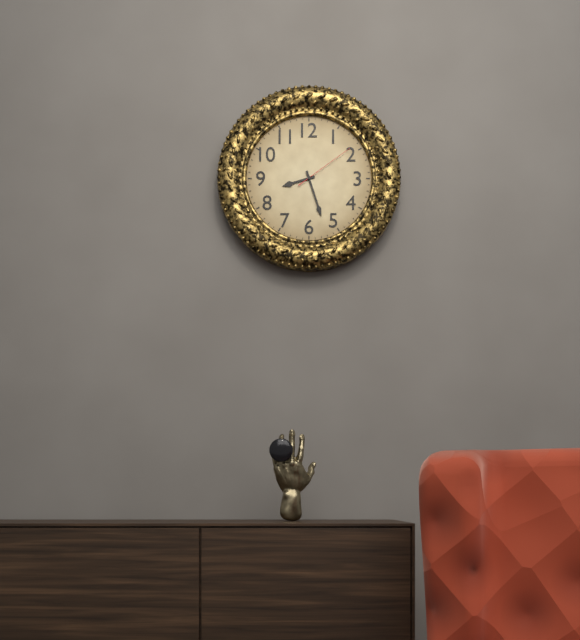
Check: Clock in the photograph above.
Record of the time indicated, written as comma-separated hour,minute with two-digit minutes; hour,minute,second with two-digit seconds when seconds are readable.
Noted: 8,27,09
